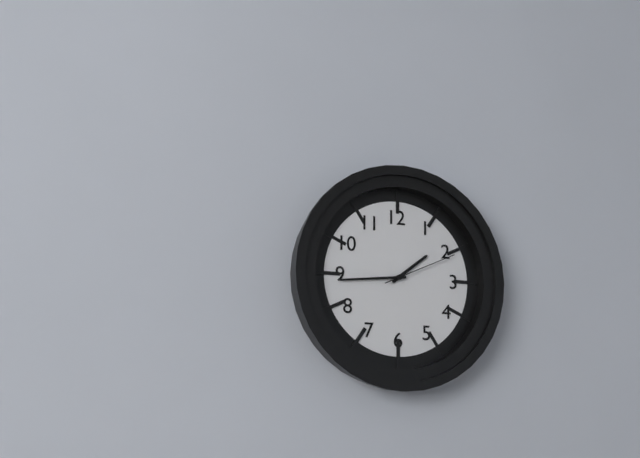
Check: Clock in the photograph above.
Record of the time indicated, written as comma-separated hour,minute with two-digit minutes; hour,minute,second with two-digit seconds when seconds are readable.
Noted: 1,44,11
